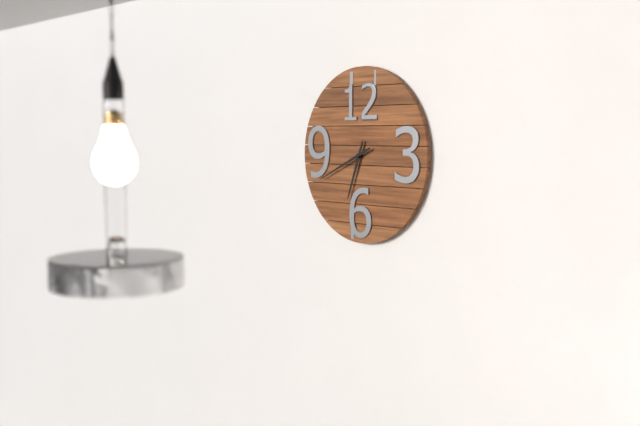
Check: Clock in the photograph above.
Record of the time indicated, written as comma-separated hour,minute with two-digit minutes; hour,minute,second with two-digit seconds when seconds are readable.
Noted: 6,41
